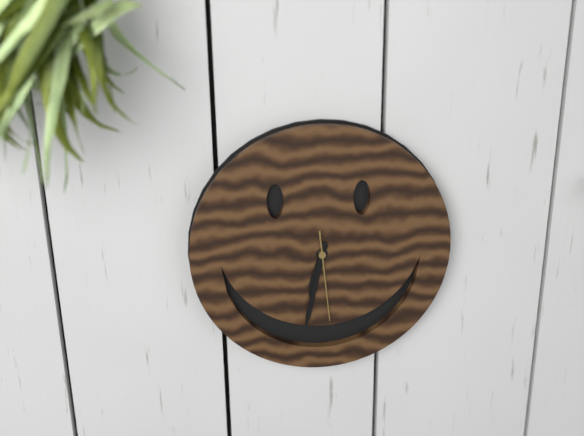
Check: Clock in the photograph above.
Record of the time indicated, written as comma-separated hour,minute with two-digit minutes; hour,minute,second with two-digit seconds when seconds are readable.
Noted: 6,32,29
